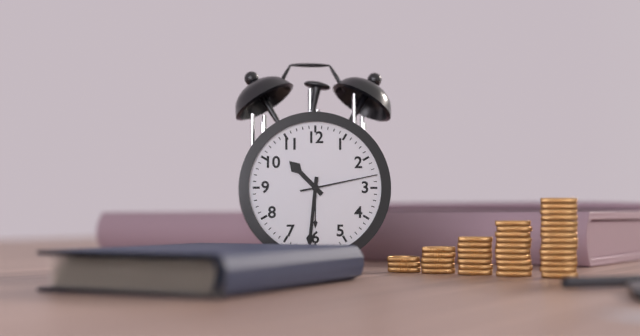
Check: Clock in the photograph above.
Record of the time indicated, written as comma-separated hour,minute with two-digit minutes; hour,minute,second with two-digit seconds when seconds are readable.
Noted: 10,31,13
